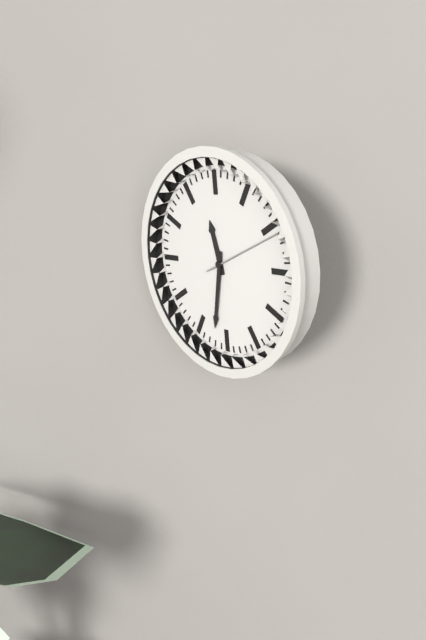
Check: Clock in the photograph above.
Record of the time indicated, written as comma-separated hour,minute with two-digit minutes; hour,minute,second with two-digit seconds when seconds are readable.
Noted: 11,32,11
